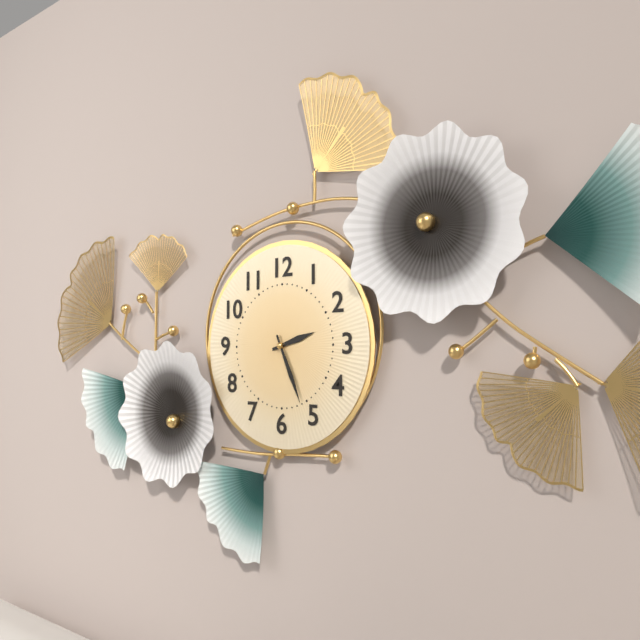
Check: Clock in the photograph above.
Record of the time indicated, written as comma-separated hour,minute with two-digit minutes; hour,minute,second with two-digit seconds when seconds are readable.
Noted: 2,26
